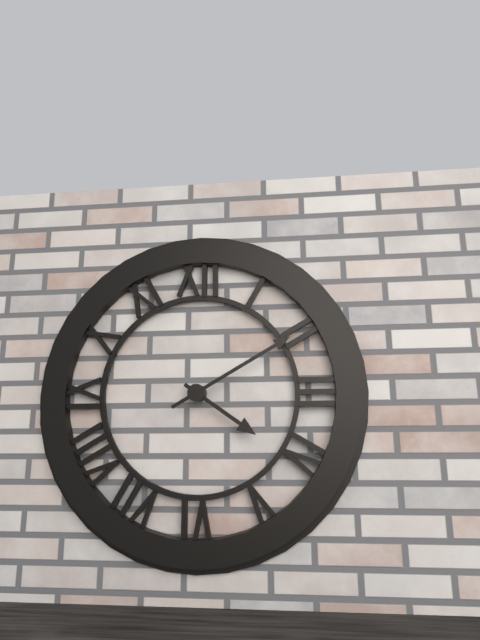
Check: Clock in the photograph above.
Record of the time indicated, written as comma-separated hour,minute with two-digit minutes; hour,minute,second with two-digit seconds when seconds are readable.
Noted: 4,10
